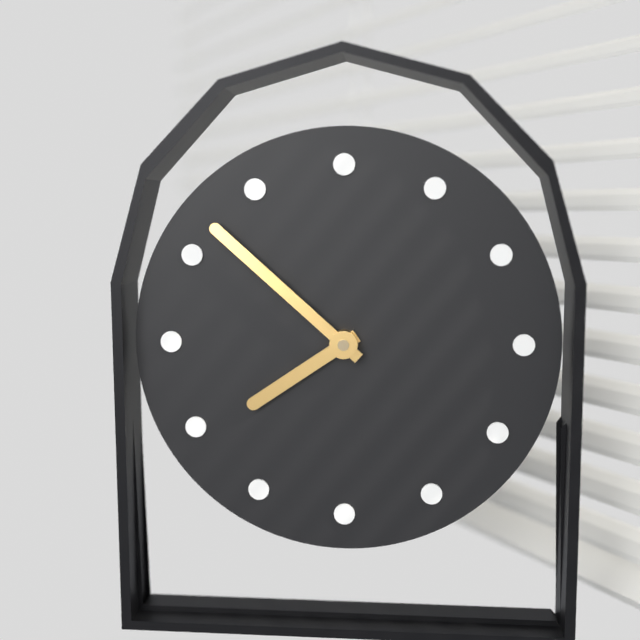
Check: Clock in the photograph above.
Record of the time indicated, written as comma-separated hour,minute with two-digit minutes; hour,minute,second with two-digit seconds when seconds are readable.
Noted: 7,52
